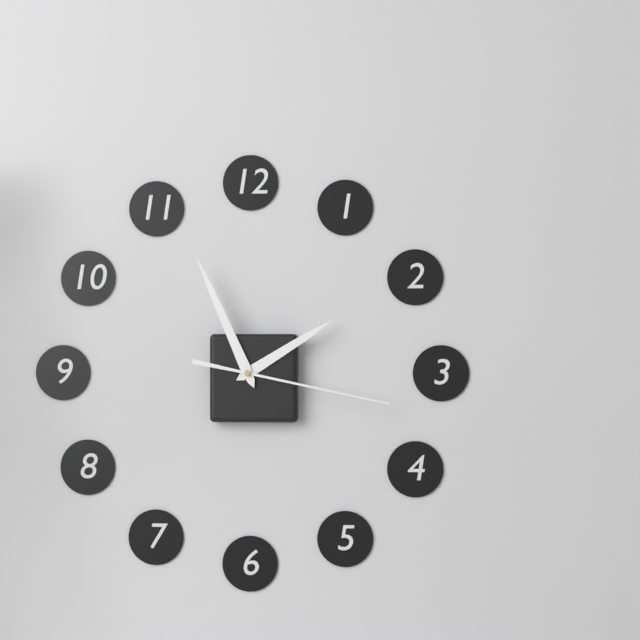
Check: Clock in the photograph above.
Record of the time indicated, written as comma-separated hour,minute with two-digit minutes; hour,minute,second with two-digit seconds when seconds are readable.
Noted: 1,56,17
